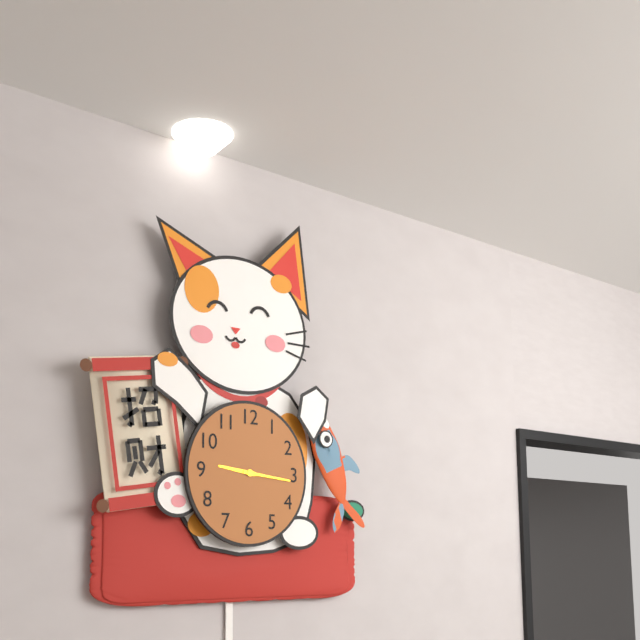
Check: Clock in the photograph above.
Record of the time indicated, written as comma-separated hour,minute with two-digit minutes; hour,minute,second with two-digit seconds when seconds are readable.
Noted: 9,16
